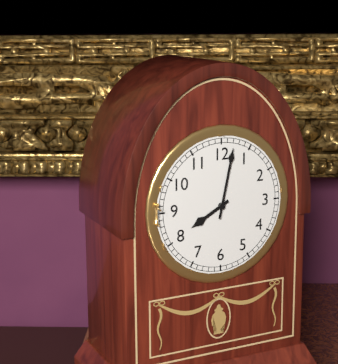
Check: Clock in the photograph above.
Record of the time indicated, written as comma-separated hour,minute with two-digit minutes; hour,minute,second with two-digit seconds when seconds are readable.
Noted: 8,02
